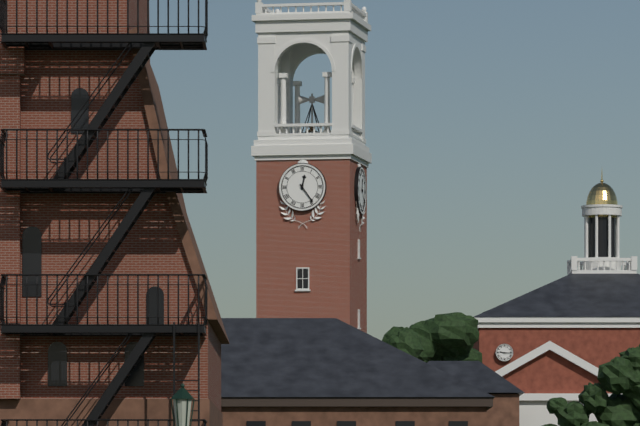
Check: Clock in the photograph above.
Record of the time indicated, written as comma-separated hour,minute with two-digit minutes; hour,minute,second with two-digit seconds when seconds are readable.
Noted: 12,24
